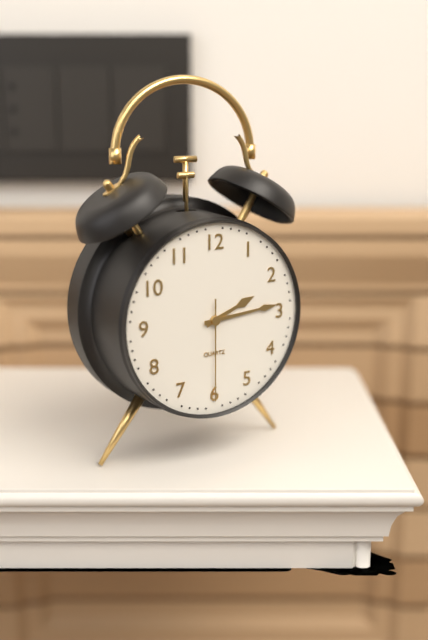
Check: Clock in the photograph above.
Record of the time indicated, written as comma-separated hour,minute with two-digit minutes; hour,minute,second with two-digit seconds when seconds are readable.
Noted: 2,14,30
